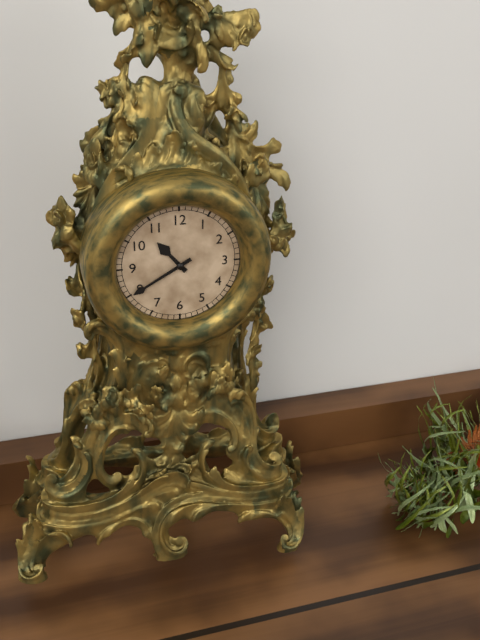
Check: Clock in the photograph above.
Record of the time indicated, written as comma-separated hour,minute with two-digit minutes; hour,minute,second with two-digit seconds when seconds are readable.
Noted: 10,40
